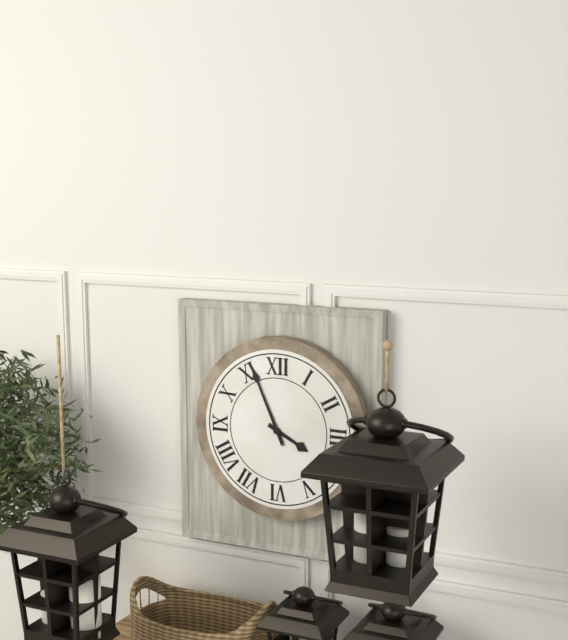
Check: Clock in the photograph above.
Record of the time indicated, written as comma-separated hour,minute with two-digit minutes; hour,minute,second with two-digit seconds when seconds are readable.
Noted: 3,56
